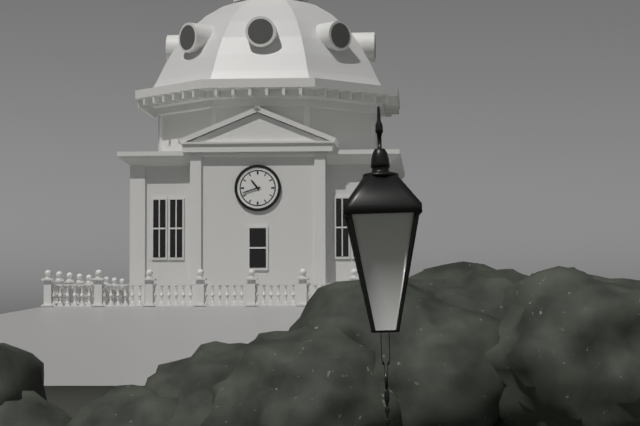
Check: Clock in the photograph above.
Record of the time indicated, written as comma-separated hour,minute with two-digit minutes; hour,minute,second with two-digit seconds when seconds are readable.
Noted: 10,42
